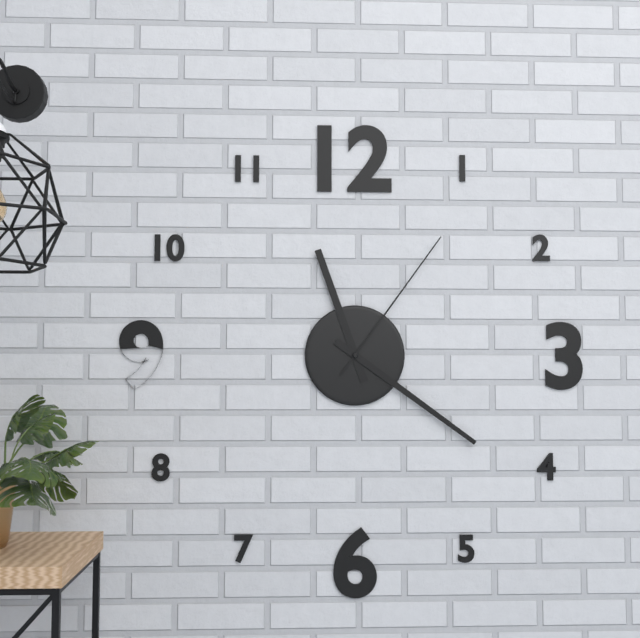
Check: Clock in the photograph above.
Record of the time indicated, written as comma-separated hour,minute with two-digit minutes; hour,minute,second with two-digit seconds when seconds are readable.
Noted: 11,21,06
